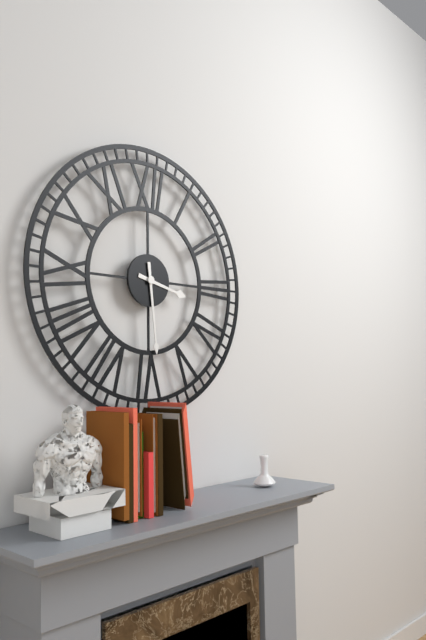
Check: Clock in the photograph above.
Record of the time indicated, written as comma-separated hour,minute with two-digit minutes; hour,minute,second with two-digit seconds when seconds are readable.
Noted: 3,29
